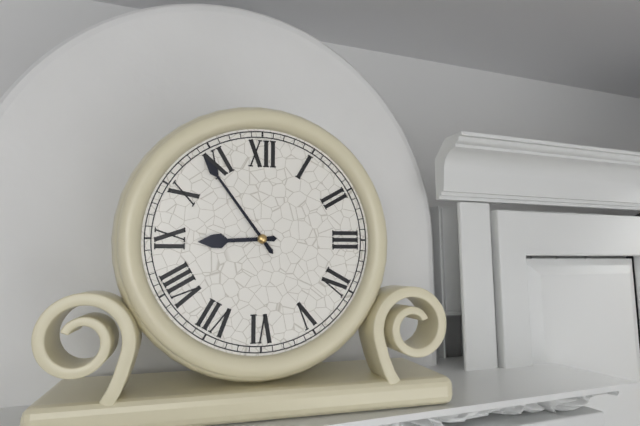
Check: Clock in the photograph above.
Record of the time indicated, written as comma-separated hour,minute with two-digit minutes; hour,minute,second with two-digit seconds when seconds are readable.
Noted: 8,54
